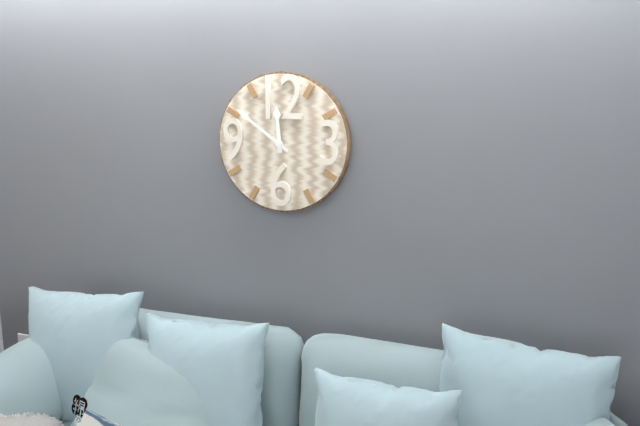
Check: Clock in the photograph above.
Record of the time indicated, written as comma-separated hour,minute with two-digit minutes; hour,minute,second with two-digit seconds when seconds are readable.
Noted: 11,51
